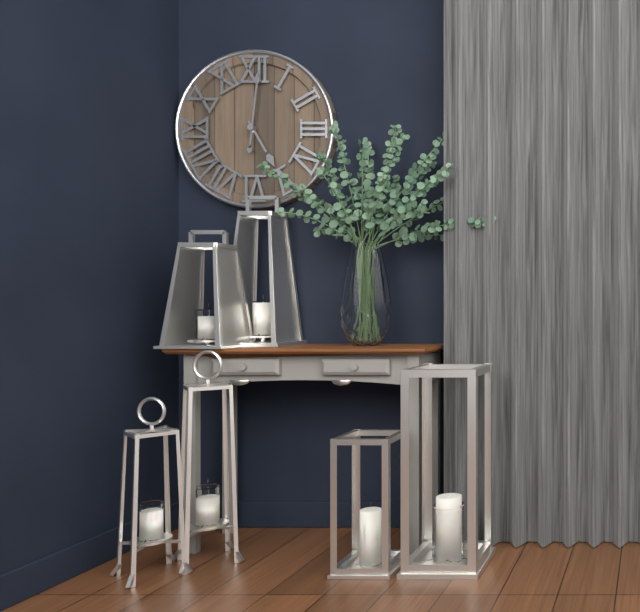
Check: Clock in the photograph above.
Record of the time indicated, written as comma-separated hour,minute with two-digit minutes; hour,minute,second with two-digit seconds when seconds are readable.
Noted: 5,01
